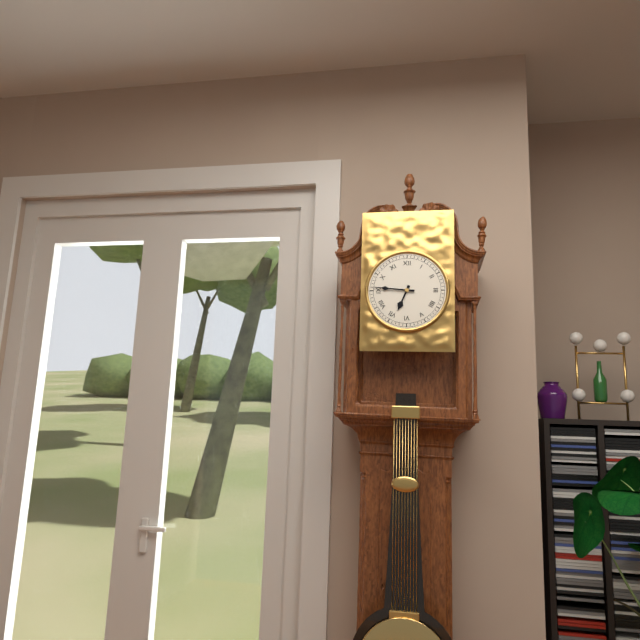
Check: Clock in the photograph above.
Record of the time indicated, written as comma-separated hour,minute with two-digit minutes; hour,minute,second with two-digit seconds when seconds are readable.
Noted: 6,46
